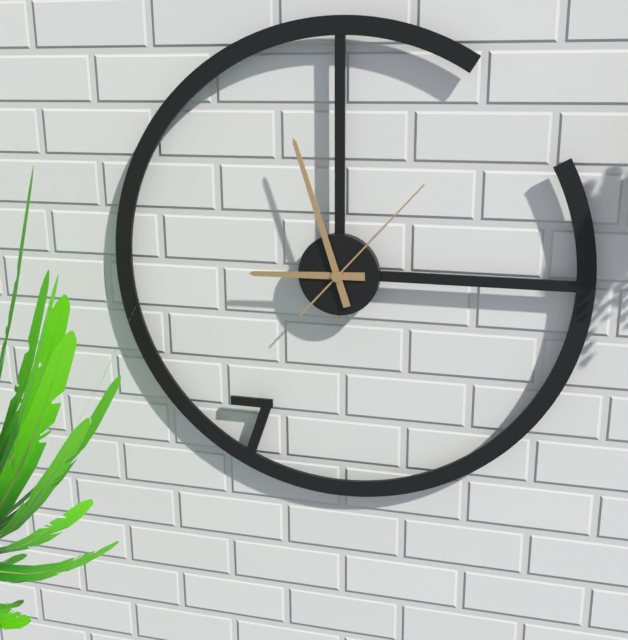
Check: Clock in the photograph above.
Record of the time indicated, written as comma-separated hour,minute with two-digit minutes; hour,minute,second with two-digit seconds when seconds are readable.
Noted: 8,57,07
